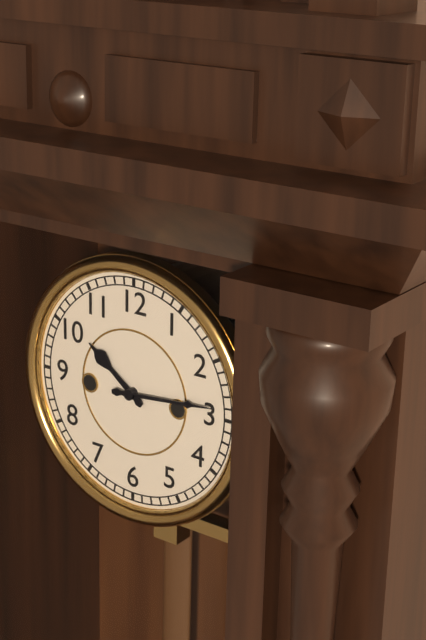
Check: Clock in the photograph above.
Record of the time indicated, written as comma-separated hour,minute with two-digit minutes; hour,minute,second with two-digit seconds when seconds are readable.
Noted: 10,14
